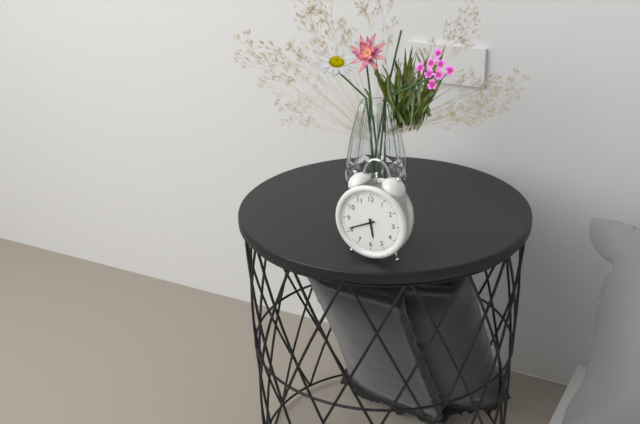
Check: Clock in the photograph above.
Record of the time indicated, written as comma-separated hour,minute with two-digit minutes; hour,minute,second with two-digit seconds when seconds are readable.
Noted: 5,41
